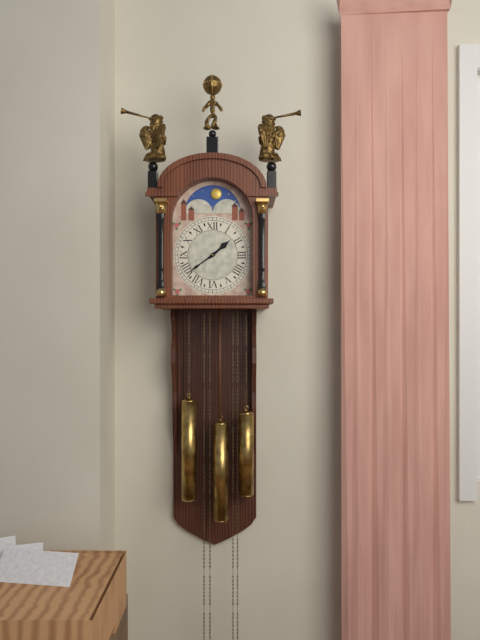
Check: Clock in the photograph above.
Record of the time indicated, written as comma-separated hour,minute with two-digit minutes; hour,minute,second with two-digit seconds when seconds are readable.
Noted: 1,39
